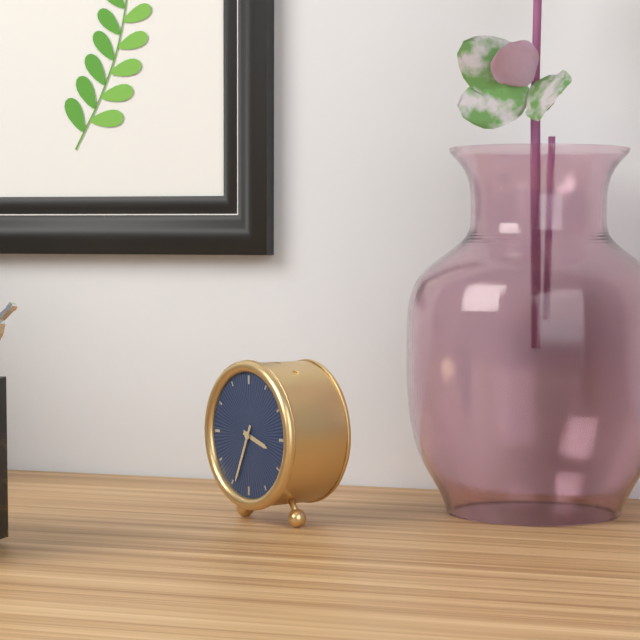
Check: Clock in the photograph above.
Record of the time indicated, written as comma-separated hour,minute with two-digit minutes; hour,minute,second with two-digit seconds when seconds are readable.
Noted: 3,34
